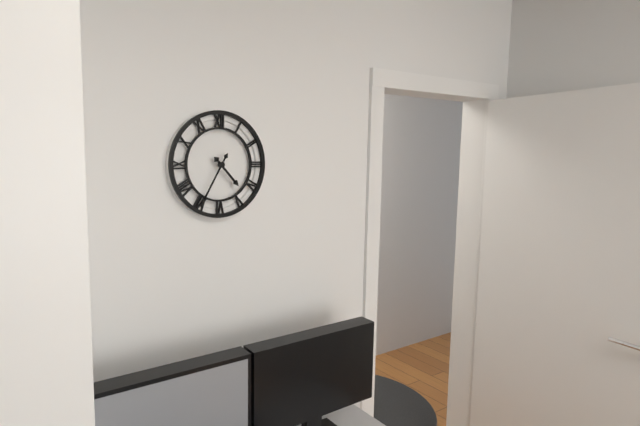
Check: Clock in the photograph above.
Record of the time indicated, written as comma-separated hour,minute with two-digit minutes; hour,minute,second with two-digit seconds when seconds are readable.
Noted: 4,35
